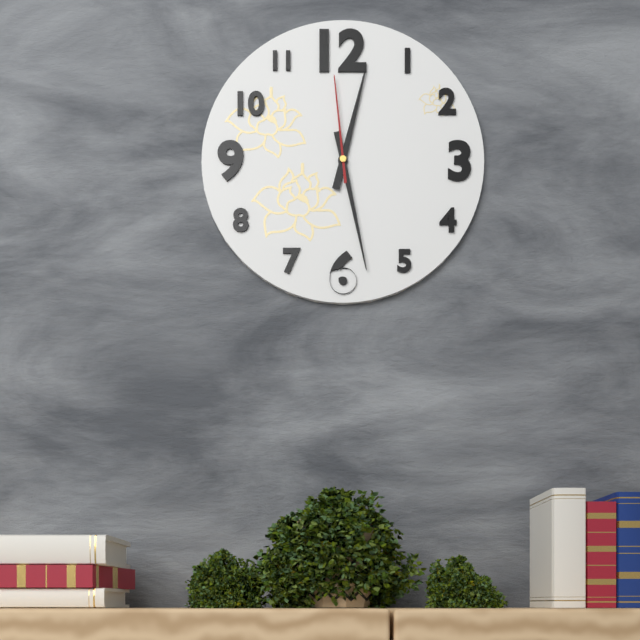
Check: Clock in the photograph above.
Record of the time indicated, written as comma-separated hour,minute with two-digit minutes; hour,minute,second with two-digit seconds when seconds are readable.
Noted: 12,28,59
